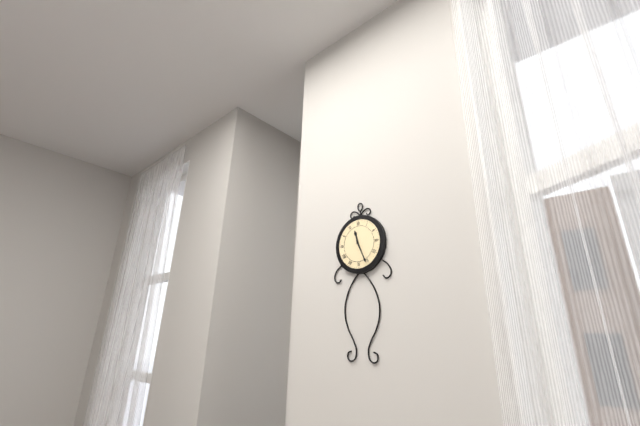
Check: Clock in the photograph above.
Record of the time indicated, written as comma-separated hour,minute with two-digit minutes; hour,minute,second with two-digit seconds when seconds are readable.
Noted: 11,26
